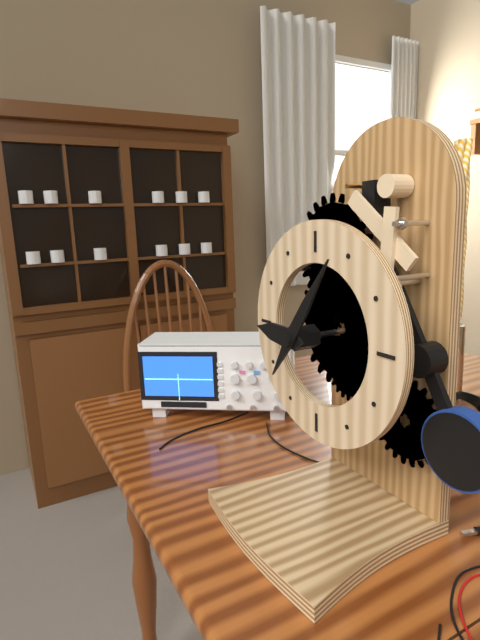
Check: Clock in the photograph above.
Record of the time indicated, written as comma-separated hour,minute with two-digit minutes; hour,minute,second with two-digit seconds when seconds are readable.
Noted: 9,06
